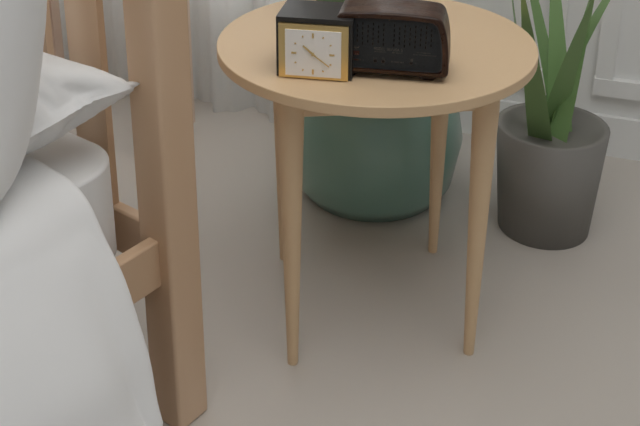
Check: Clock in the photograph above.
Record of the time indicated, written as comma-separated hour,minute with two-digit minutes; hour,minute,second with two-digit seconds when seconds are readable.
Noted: 10,21
